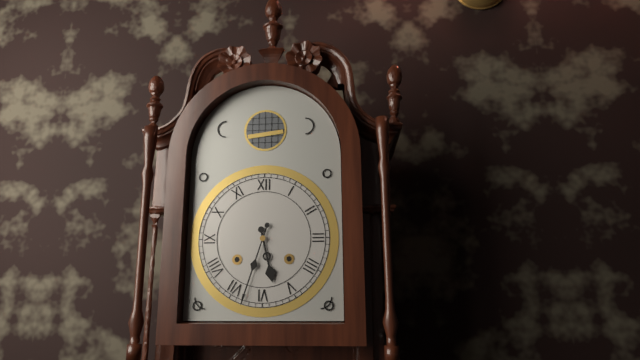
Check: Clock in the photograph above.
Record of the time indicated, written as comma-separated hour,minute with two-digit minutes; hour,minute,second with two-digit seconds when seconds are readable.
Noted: 5,33
